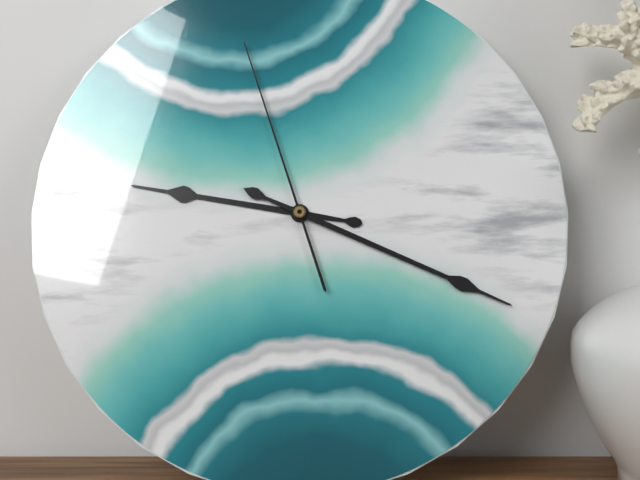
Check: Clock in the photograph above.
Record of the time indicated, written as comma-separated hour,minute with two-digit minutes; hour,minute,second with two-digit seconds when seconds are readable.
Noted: 9,19,57
